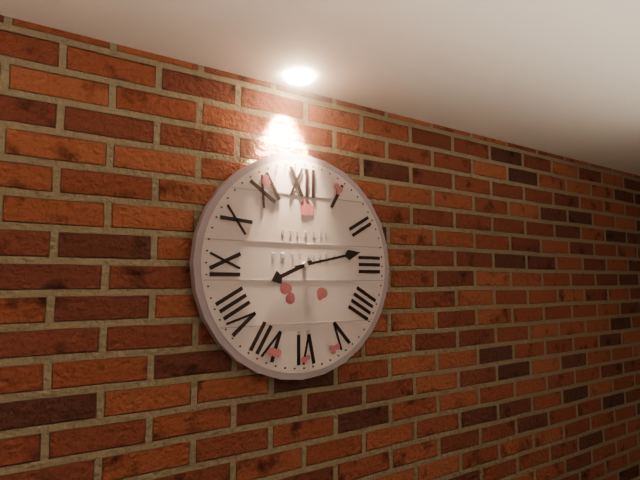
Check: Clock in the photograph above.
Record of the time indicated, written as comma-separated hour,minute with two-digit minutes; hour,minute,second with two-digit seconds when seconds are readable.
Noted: 8,13
